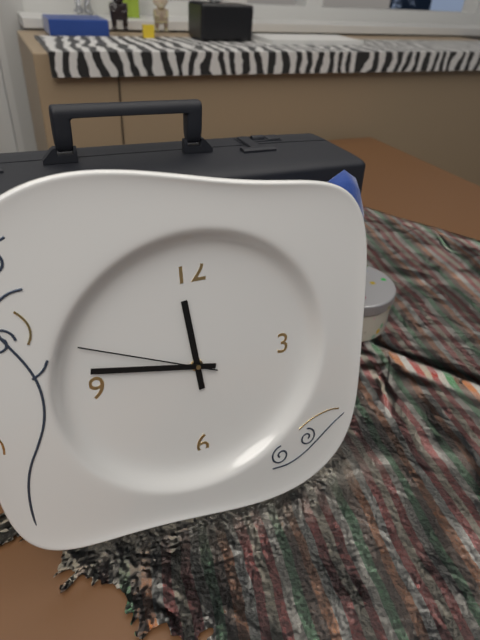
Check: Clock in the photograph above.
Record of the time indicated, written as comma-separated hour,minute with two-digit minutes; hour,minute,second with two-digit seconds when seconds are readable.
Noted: 11,47,49
